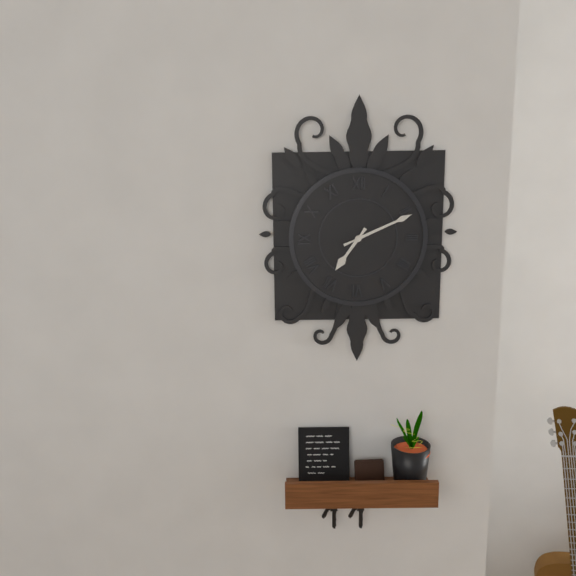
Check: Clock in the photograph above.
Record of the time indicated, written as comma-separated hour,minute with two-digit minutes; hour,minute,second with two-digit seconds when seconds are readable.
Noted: 7,11
